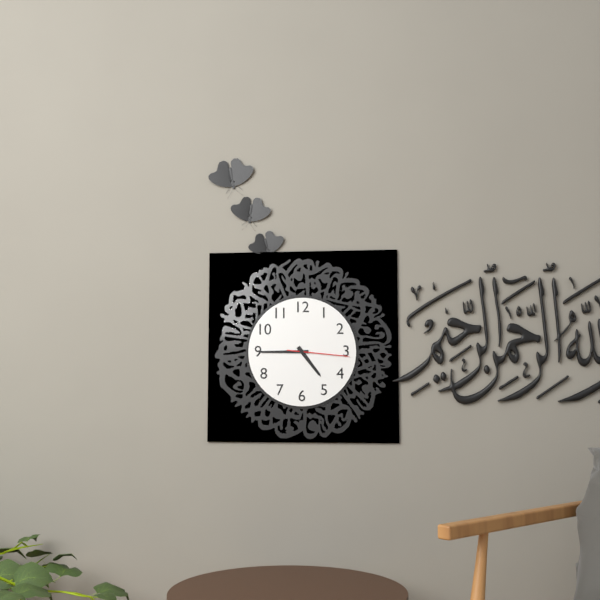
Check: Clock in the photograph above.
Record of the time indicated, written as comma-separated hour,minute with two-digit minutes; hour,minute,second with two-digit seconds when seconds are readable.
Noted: 4,45,16
